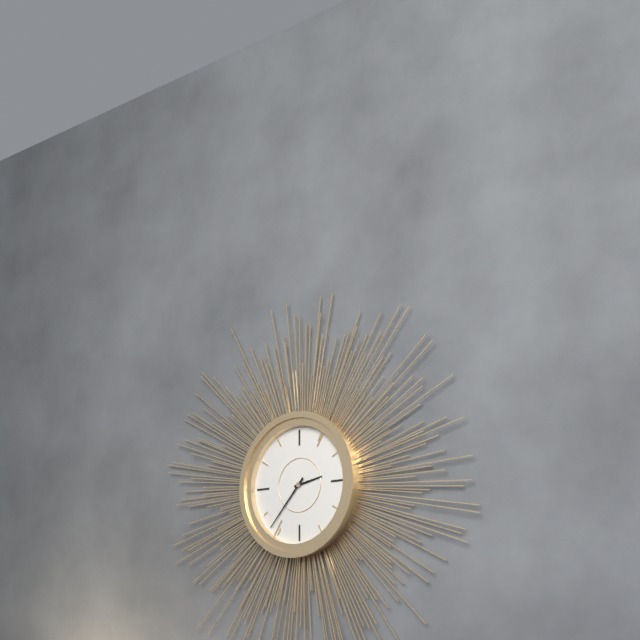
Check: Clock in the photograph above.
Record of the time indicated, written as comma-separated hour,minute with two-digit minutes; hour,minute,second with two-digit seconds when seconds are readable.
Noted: 2,37
